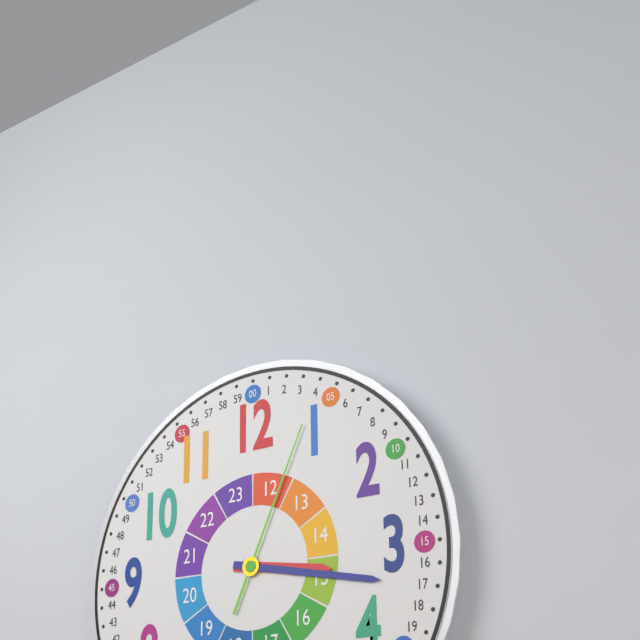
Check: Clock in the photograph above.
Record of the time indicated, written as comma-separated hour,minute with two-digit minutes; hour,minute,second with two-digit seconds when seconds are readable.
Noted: 3,17,04
